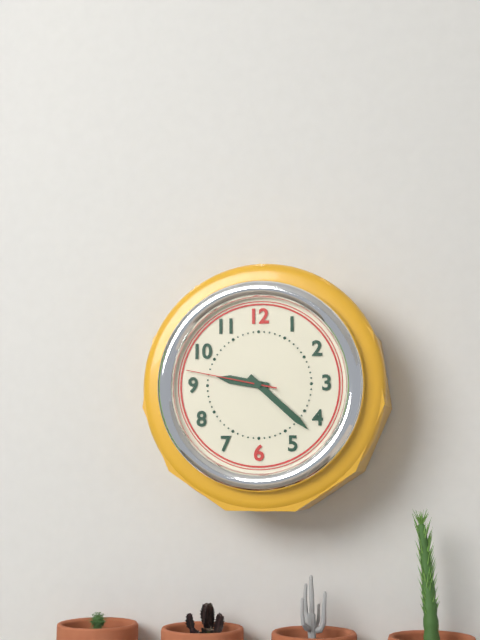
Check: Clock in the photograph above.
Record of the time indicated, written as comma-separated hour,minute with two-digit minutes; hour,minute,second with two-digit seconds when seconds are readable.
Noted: 9,22,47
